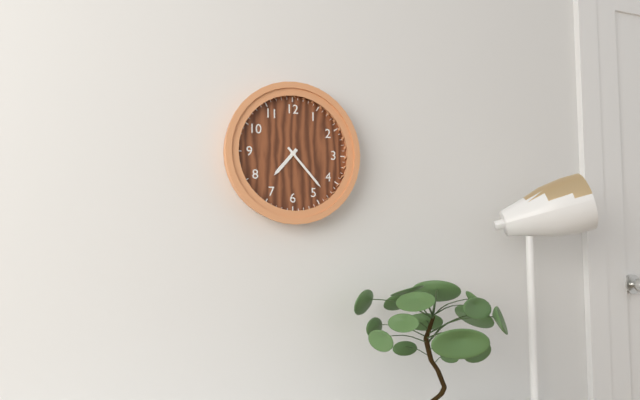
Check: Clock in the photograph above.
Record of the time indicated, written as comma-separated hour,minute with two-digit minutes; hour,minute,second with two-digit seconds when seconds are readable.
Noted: 7,23
